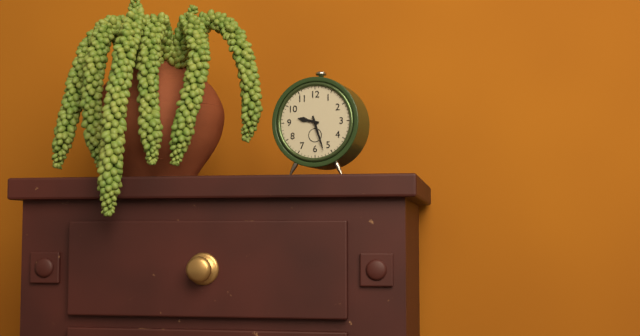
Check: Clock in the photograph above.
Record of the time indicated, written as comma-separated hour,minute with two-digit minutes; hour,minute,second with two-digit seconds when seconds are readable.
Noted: 9,27
